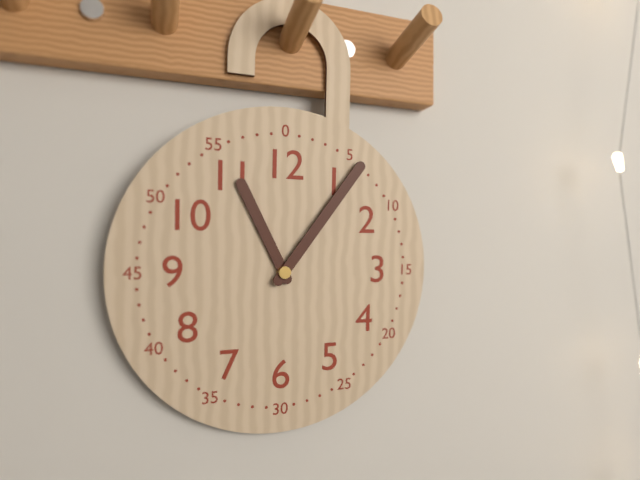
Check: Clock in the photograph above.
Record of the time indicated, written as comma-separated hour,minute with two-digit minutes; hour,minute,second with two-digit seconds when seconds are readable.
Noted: 11,06
